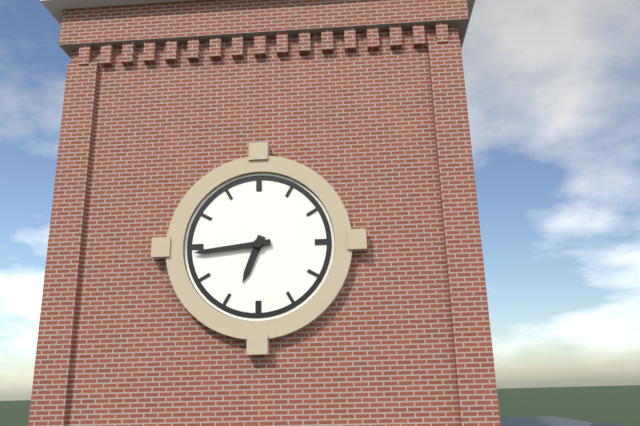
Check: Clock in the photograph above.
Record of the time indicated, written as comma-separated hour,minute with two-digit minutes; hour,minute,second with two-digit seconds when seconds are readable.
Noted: 6,44
